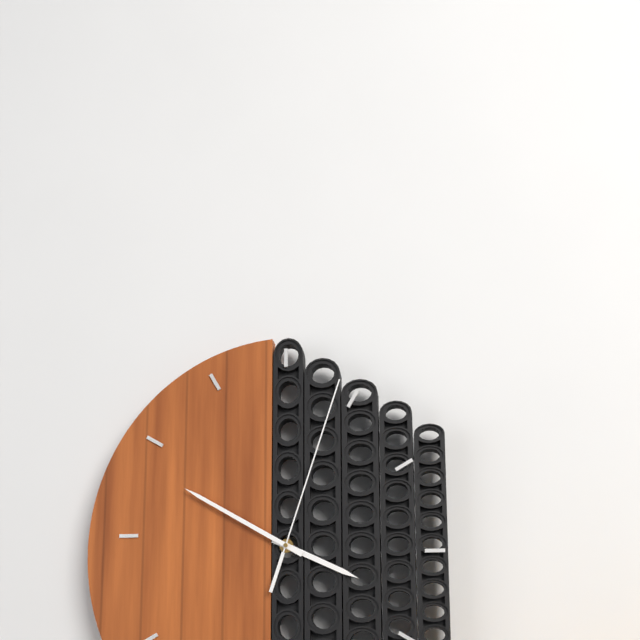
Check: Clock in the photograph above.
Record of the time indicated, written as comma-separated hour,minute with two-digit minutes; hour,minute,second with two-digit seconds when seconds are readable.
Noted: 3,50,03
